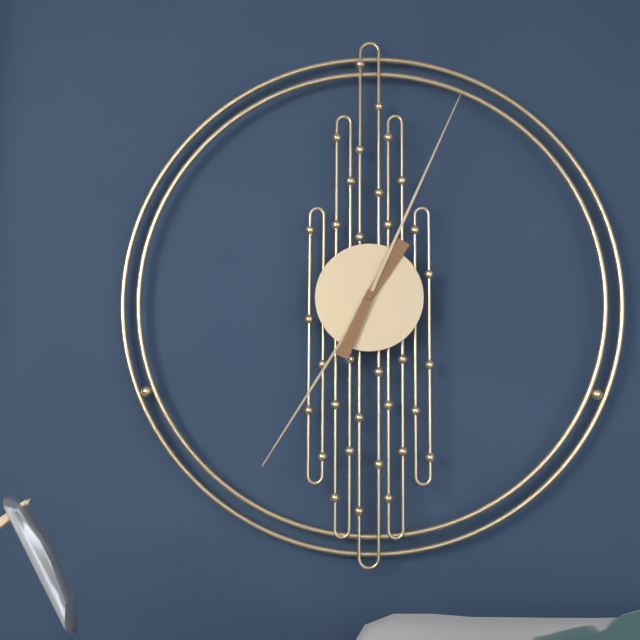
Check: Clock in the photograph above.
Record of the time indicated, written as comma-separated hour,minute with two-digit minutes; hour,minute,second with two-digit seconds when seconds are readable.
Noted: 7,04
